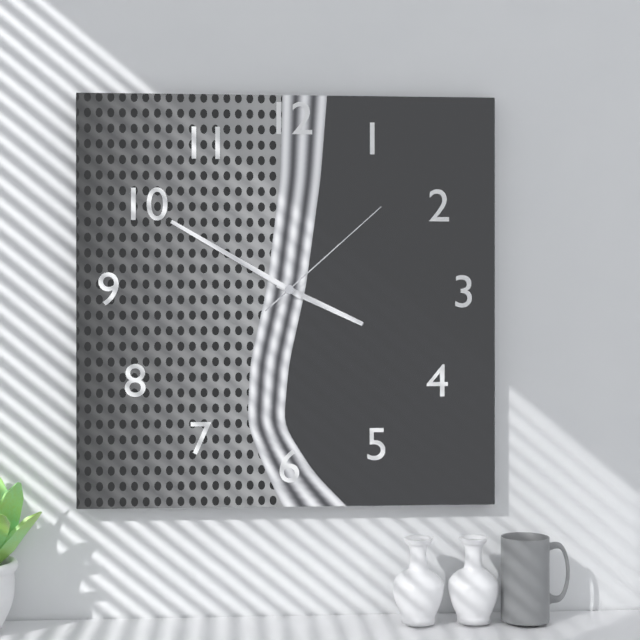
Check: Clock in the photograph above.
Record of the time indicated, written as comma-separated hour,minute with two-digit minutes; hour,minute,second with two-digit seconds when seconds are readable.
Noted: 3,50,08
